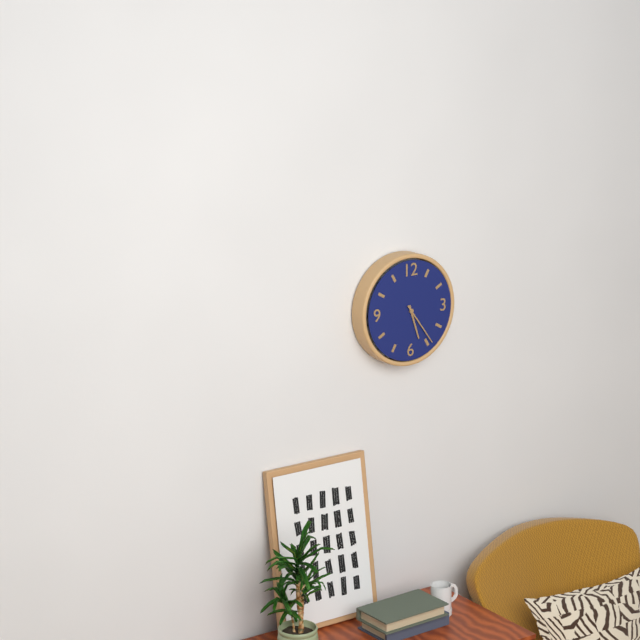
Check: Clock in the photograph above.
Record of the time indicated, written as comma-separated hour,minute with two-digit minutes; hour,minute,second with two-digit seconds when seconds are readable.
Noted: 5,24
